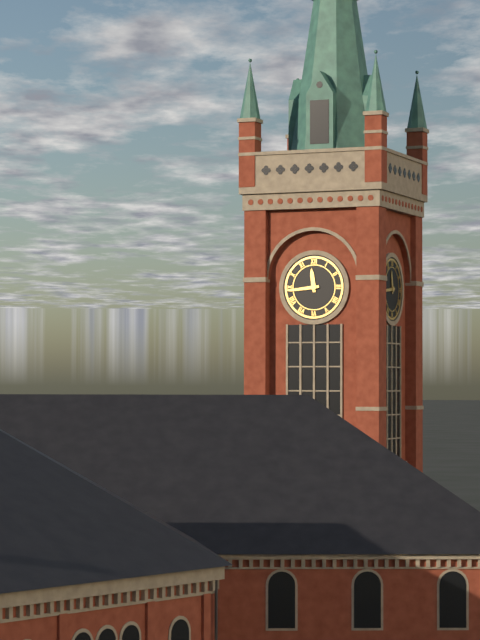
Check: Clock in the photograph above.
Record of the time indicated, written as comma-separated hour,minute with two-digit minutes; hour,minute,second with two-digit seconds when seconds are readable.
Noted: 11,44
